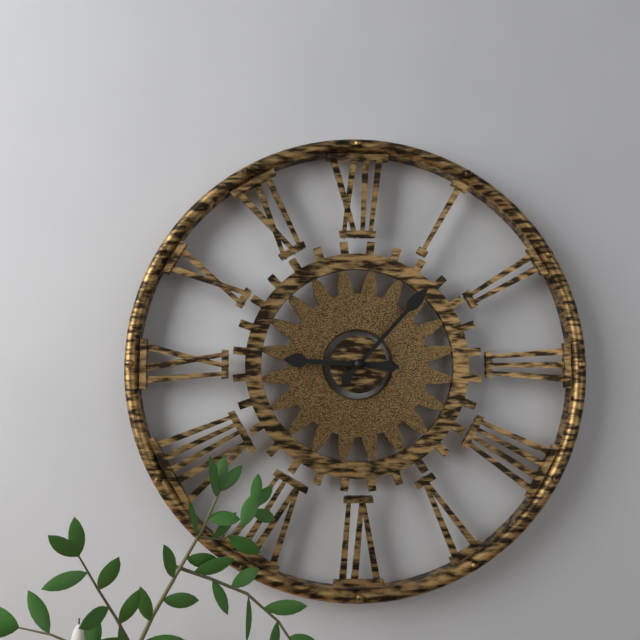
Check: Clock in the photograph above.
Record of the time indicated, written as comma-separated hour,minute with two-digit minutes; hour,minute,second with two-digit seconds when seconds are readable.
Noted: 9,07
